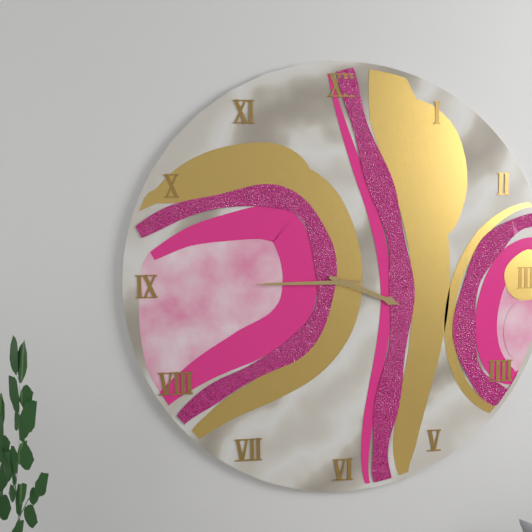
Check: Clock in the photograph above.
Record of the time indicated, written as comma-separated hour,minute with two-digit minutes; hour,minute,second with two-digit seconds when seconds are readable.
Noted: 3,45
